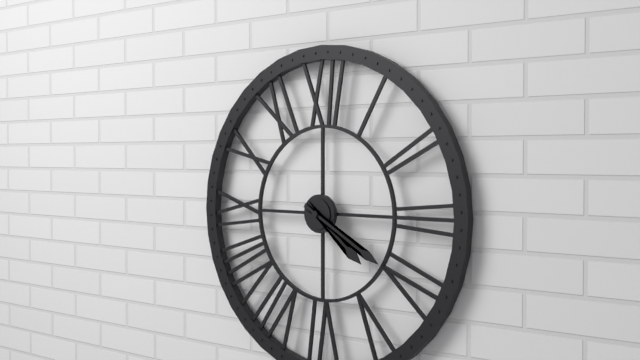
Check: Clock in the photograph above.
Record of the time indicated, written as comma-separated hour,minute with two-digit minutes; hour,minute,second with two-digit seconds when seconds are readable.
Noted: 4,20
